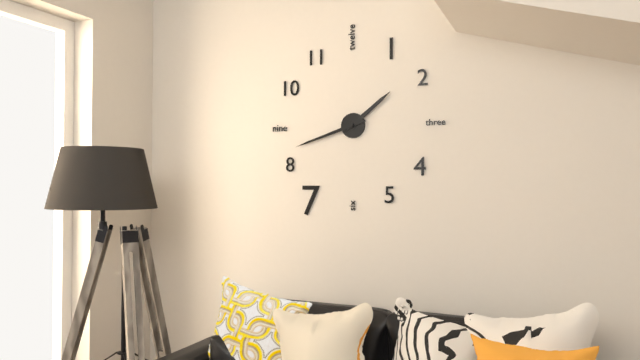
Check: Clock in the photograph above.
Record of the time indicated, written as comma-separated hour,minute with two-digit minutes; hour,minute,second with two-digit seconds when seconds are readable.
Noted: 1,42
